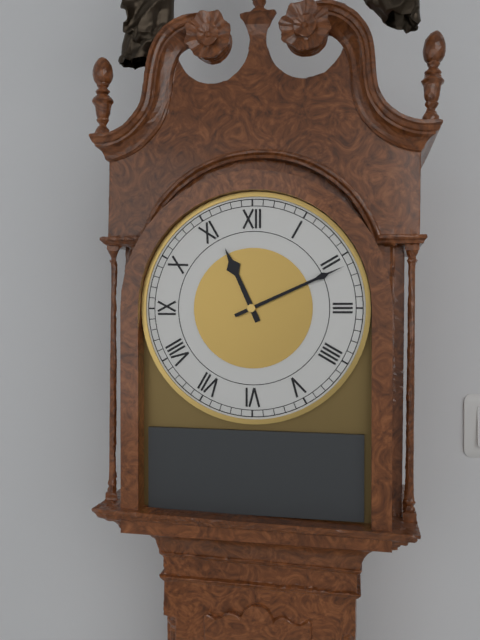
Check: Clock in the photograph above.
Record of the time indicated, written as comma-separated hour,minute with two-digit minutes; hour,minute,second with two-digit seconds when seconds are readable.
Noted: 11,11
